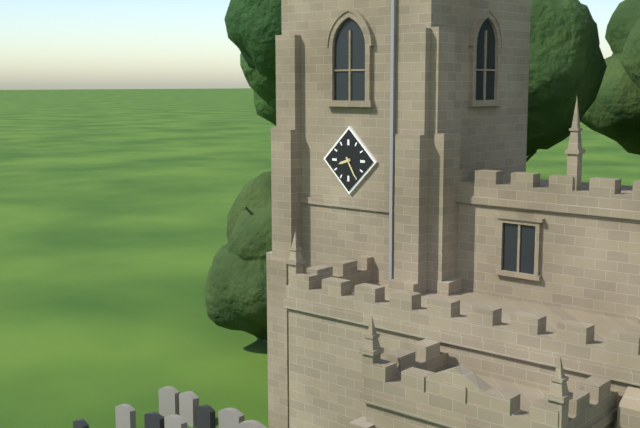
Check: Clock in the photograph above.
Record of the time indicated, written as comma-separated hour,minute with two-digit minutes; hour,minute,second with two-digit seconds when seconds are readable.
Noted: 8,25
